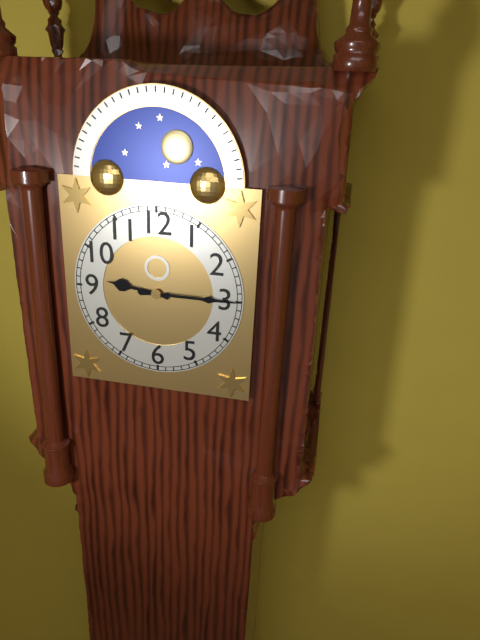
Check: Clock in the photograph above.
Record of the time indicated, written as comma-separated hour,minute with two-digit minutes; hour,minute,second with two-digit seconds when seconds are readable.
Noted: 9,15
